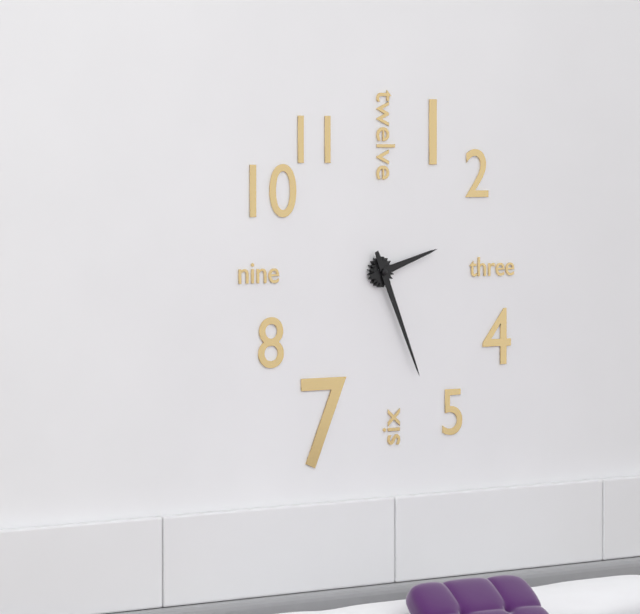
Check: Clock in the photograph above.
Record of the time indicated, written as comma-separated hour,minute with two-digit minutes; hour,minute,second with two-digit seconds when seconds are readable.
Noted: 2,26
